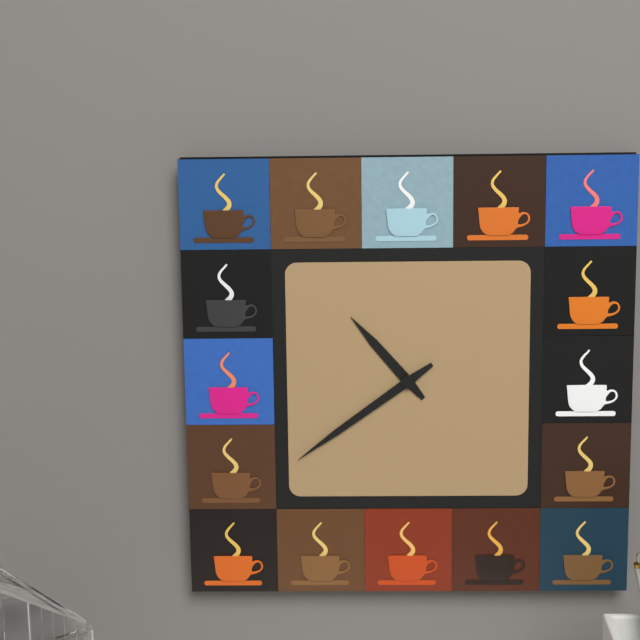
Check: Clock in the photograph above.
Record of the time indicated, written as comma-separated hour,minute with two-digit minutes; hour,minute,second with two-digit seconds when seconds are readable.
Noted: 10,39
